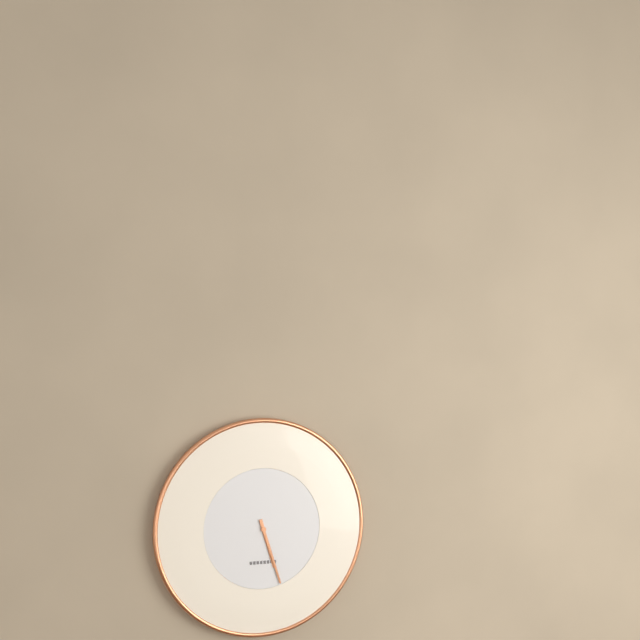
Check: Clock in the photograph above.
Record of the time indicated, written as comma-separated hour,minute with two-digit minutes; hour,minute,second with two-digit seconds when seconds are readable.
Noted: 5,27
